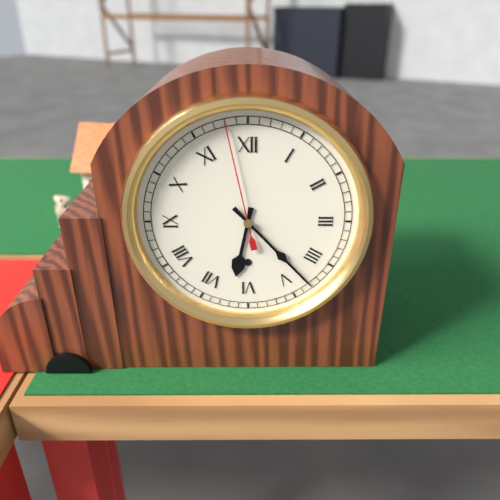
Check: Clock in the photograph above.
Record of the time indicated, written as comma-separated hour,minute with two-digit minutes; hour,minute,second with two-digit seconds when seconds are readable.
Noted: 6,23,58
